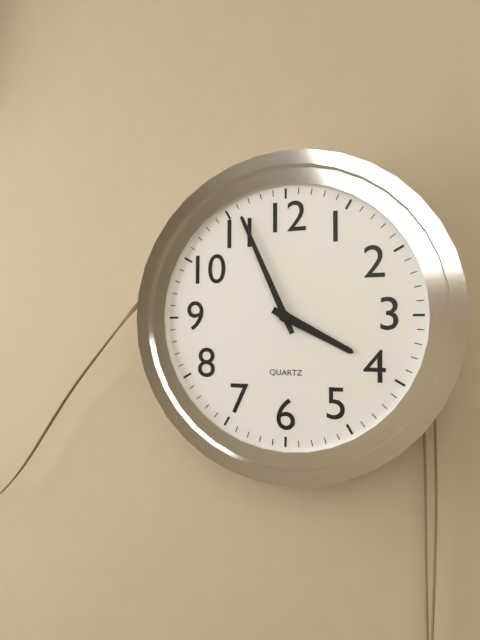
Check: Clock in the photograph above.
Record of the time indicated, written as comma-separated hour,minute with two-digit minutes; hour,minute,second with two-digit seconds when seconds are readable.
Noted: 3,56
